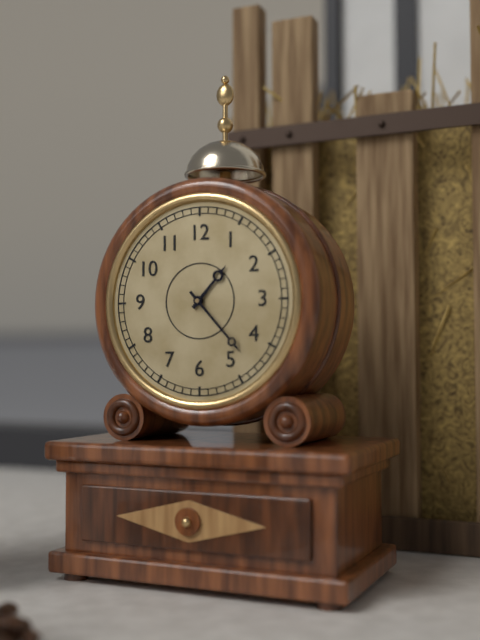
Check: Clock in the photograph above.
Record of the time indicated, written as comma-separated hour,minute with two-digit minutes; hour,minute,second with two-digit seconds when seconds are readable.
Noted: 1,23
